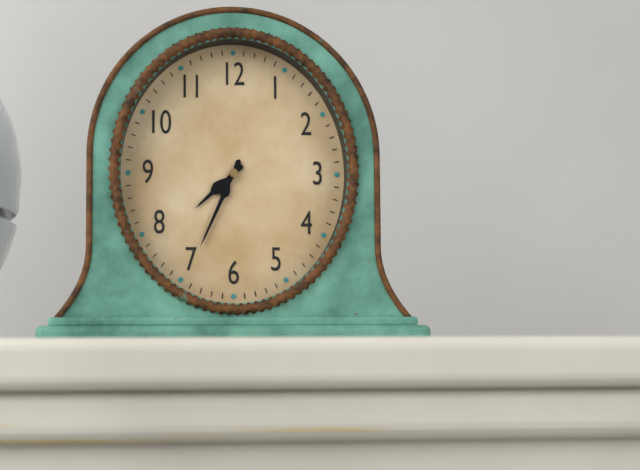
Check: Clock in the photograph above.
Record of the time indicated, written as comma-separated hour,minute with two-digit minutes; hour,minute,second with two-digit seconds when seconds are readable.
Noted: 7,34
